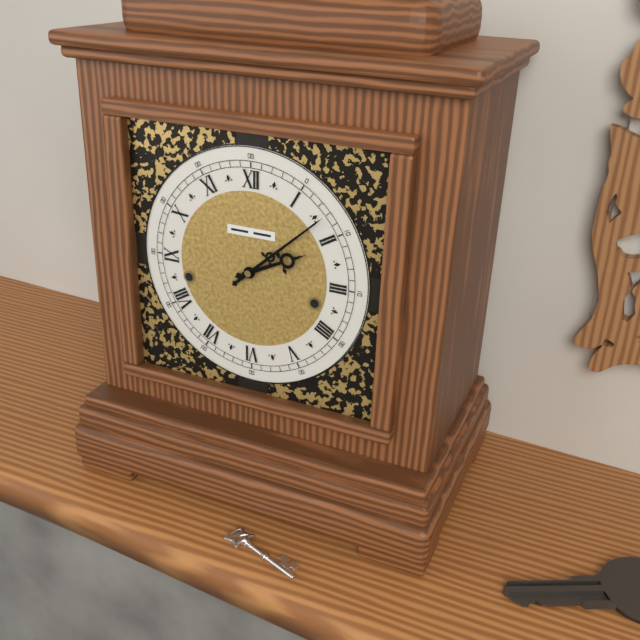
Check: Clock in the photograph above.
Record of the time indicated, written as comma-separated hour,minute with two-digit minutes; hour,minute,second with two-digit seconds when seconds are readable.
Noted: 2,08
